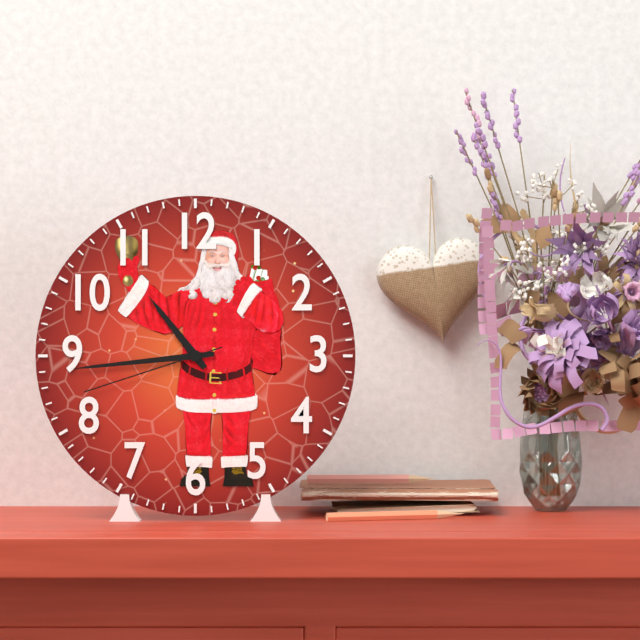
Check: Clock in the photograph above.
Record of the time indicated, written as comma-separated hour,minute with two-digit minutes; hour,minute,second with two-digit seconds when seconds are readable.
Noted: 10,44,42
